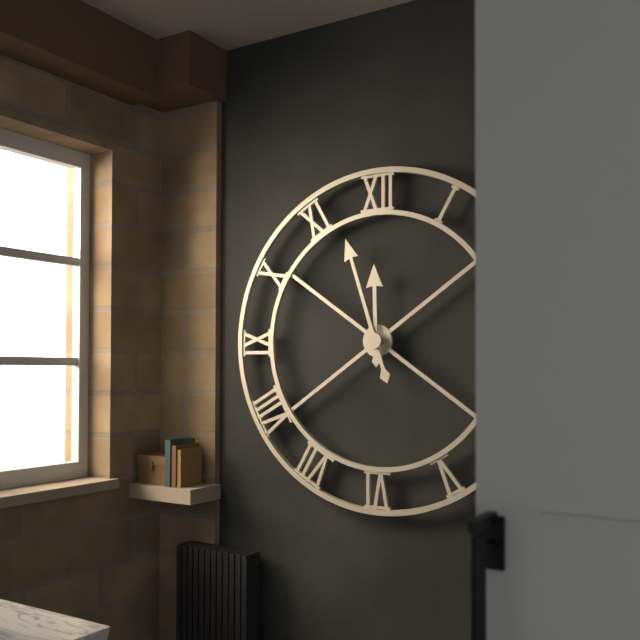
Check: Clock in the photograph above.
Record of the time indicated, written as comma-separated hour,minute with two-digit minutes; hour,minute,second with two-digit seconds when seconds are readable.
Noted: 11,57
